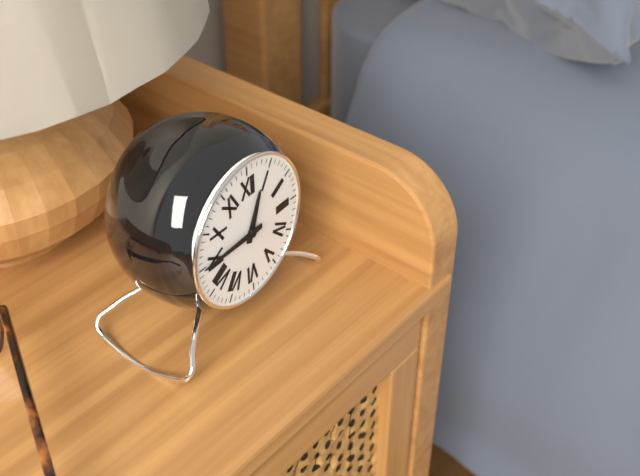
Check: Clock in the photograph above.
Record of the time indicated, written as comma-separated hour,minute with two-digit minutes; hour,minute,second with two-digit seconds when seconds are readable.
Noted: 12,45
